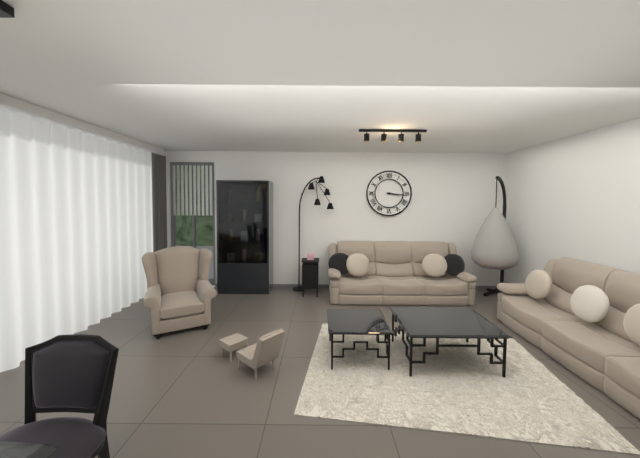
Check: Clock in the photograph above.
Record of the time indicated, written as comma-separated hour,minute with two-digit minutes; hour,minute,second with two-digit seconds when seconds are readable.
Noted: 3,16
